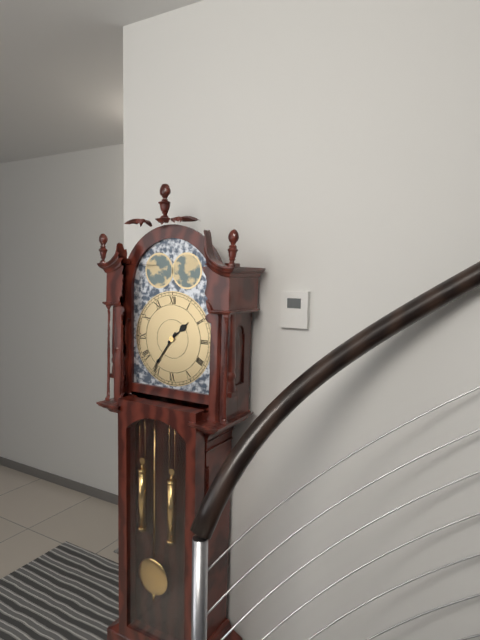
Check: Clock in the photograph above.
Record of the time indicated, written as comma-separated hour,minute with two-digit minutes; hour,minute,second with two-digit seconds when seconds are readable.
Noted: 1,36
